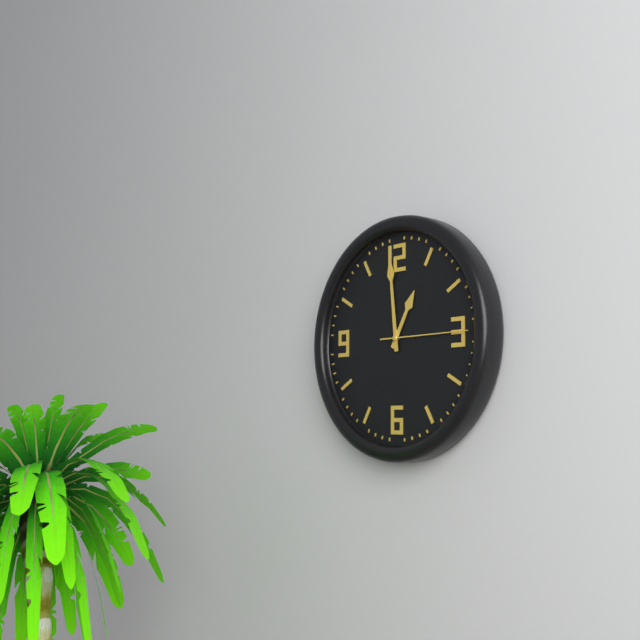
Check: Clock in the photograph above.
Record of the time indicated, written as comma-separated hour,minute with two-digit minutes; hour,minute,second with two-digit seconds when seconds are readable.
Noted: 12,59,15
